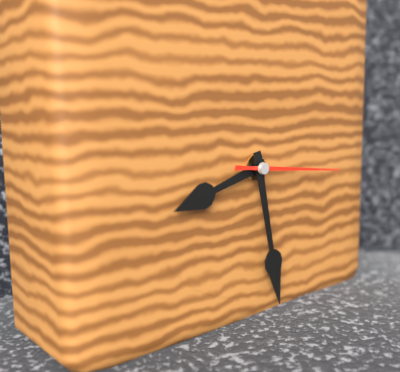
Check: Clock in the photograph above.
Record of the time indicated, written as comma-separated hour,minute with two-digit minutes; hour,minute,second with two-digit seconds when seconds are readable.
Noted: 8,28,16
